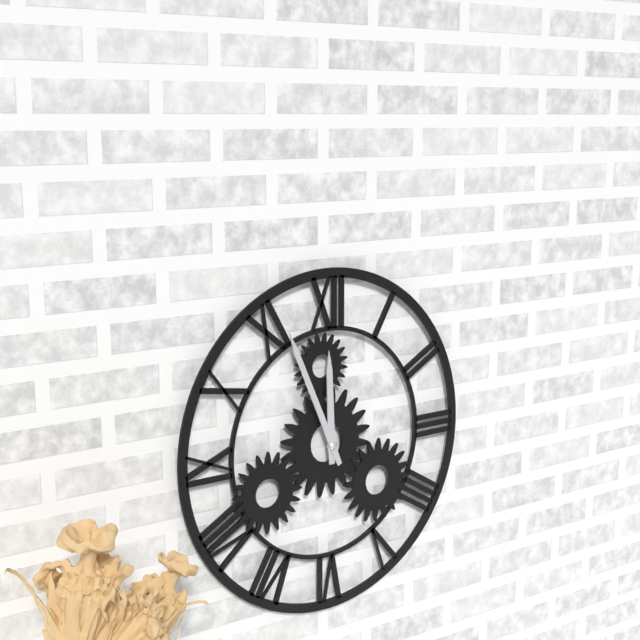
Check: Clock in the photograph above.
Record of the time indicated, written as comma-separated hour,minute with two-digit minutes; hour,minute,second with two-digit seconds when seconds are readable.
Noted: 11,56
